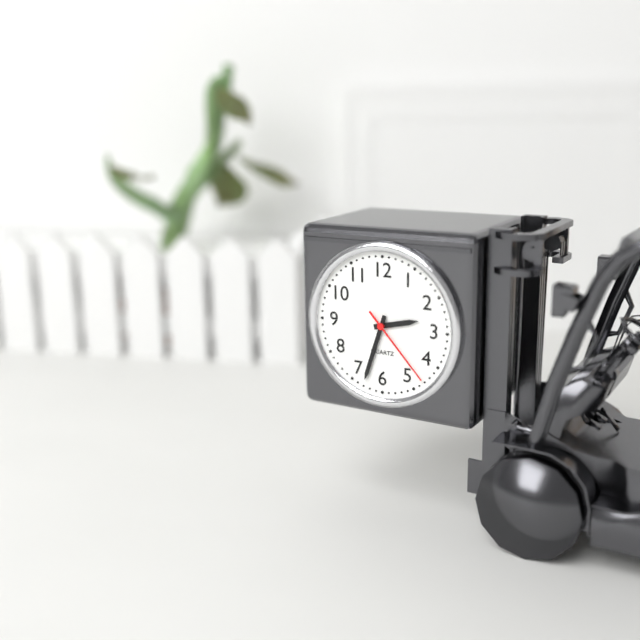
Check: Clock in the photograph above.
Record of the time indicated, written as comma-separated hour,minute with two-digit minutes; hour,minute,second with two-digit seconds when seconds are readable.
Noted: 2,33,23
